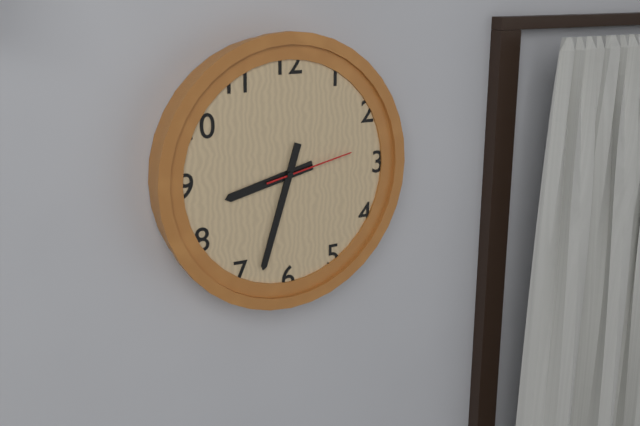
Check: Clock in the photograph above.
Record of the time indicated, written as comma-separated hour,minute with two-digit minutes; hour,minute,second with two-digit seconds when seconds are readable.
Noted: 8,33,13
